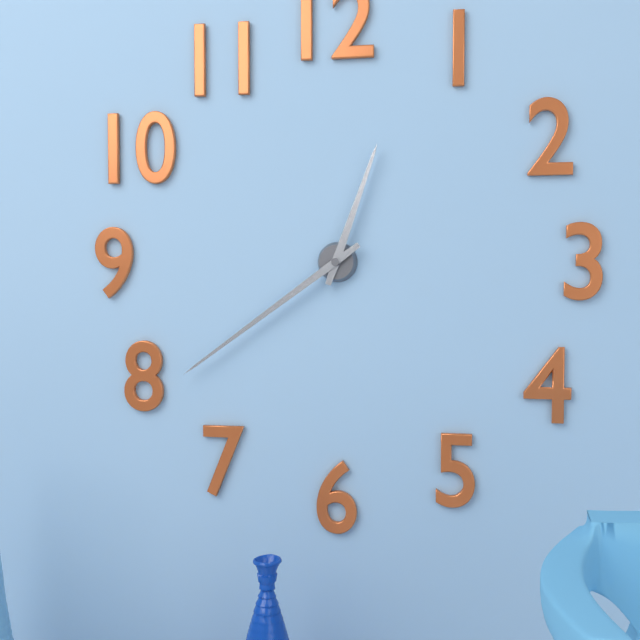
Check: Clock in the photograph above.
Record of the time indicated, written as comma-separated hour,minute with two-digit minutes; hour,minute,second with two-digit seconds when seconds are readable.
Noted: 12,39
